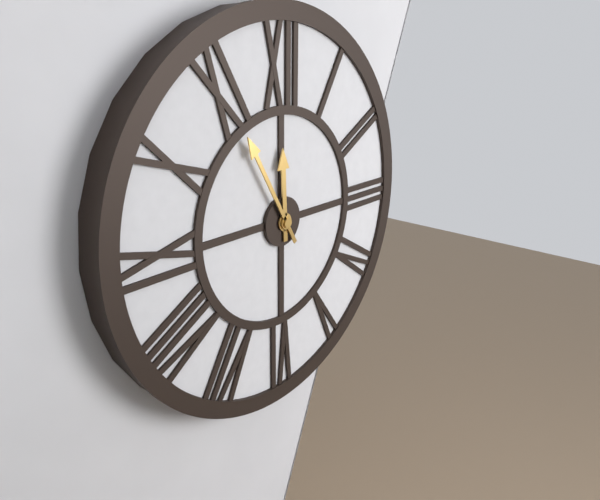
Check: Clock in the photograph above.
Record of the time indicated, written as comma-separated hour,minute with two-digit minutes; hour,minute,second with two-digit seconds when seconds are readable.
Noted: 11,55
